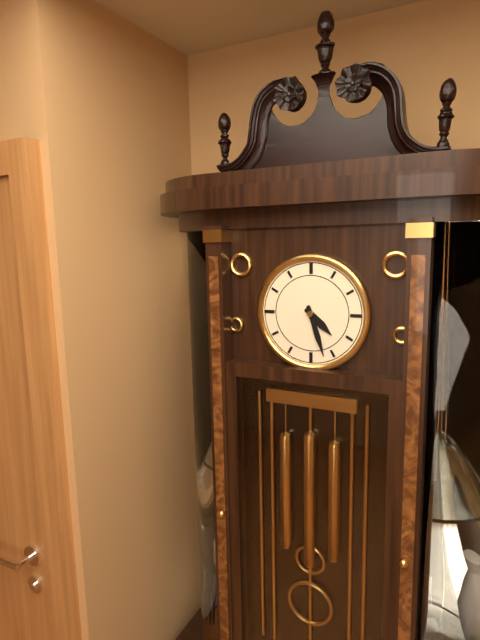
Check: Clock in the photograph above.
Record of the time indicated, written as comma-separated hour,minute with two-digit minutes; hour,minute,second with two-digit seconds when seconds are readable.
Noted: 4,27
